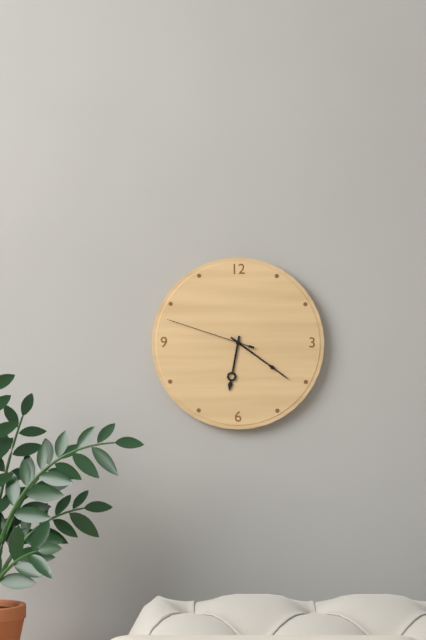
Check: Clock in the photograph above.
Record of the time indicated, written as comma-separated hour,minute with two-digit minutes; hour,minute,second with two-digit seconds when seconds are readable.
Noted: 6,21,48
